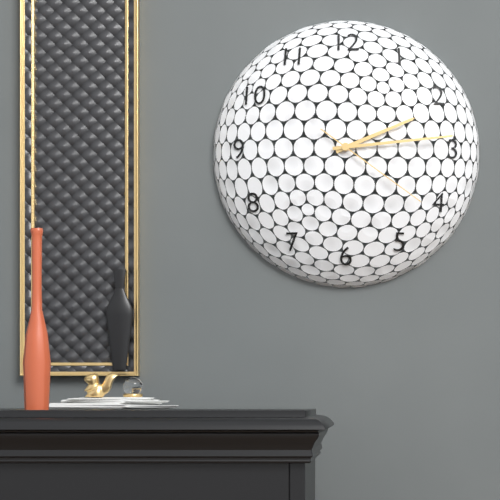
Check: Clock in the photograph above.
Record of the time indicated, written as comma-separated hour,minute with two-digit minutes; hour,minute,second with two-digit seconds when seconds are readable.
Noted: 2,14,21
